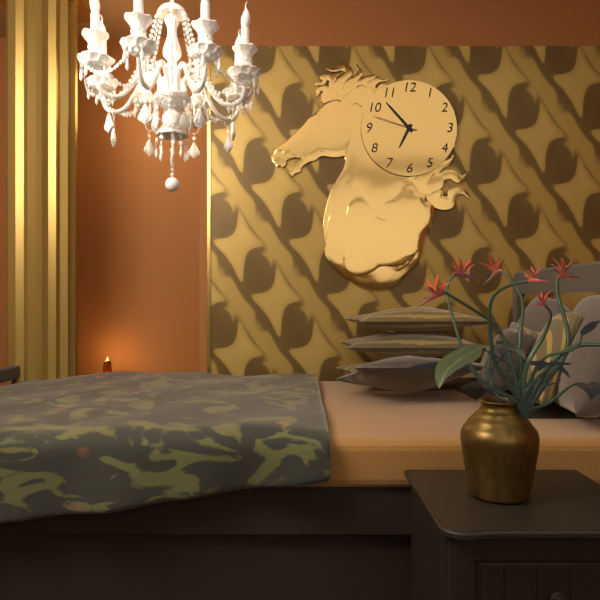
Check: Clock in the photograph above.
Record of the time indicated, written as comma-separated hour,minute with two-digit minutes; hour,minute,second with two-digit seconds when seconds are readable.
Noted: 6,53
